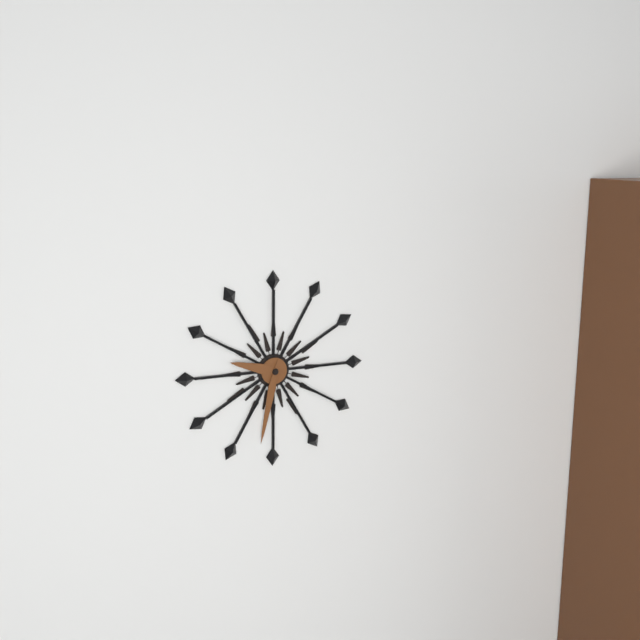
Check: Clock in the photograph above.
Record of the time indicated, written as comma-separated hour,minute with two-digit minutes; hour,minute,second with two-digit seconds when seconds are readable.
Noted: 9,32
